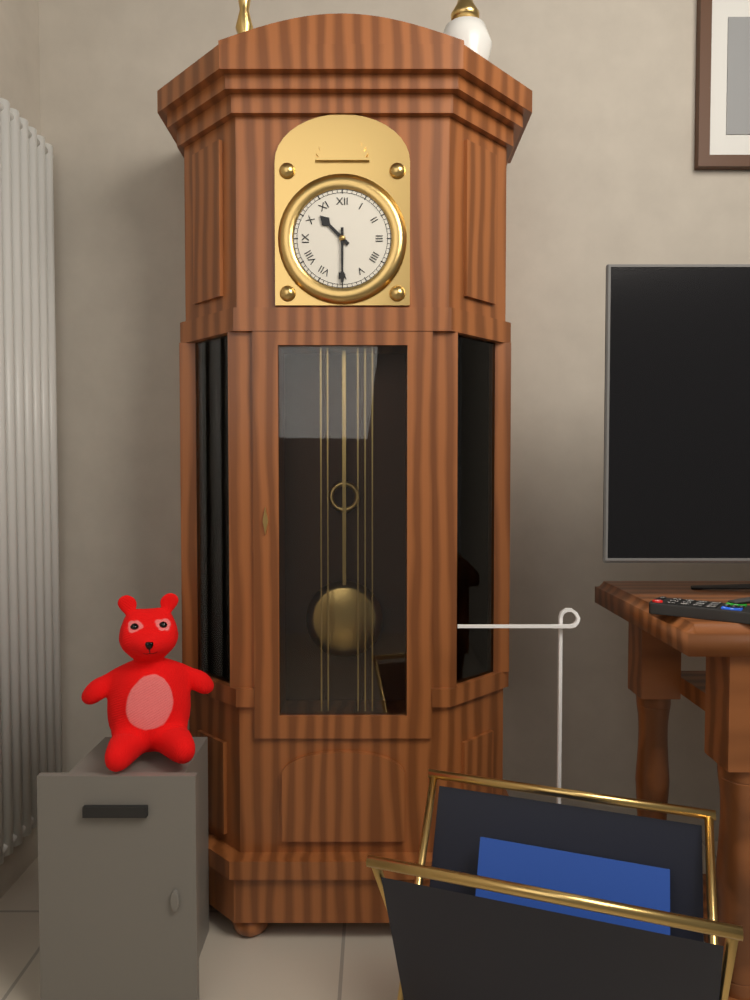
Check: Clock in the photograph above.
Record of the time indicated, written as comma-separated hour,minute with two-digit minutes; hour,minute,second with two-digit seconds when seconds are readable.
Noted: 10,30
